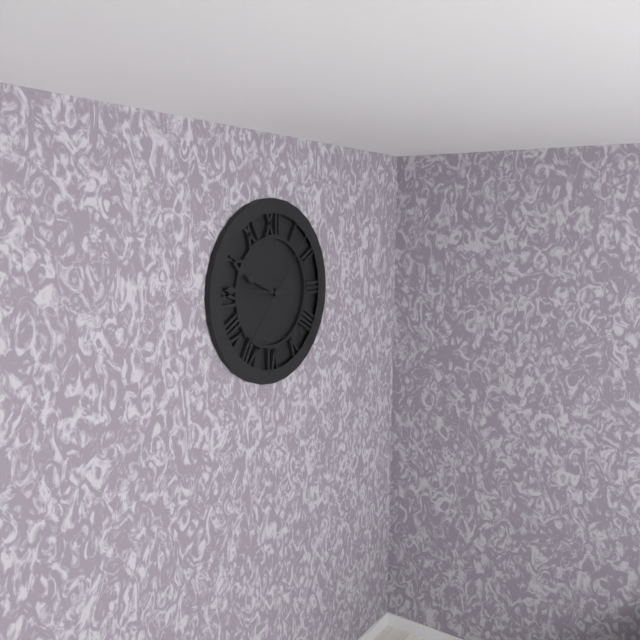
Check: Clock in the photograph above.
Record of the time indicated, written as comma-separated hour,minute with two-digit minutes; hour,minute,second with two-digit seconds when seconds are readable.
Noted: 9,46,07
